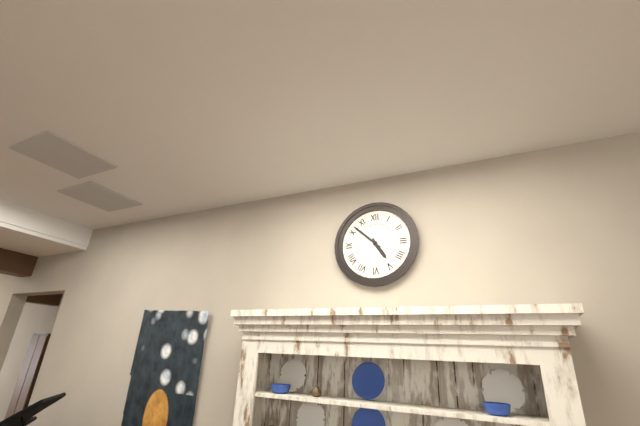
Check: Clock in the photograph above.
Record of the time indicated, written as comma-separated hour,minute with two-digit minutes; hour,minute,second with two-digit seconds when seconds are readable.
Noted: 4,52
